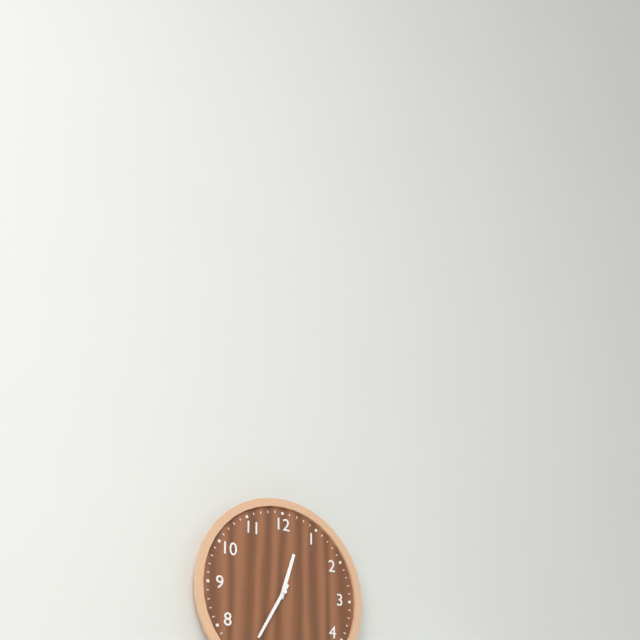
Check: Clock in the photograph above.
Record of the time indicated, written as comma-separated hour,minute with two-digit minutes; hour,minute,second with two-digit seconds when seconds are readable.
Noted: 12,35
